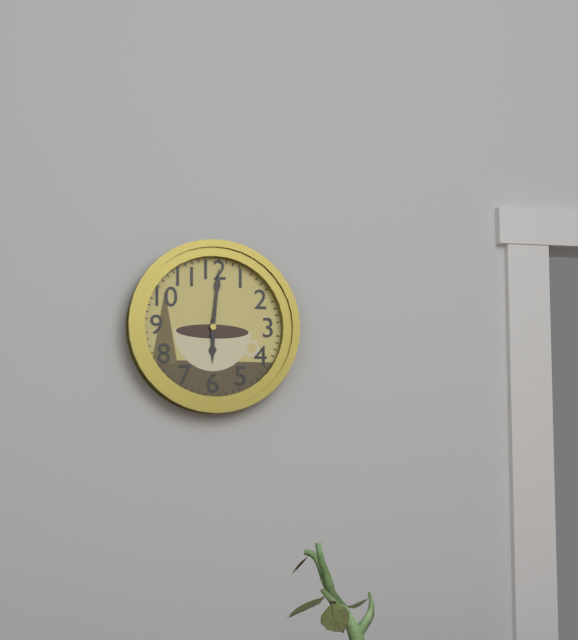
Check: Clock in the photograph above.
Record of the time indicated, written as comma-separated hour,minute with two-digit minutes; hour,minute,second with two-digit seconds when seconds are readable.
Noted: 6,01
